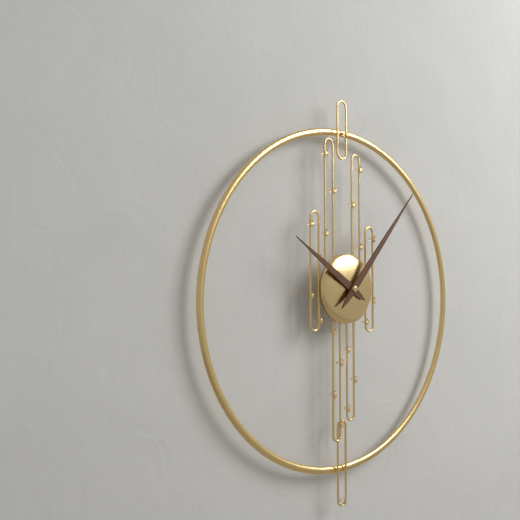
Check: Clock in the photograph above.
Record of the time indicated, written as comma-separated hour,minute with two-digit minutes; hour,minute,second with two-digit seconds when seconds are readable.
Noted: 10,07
